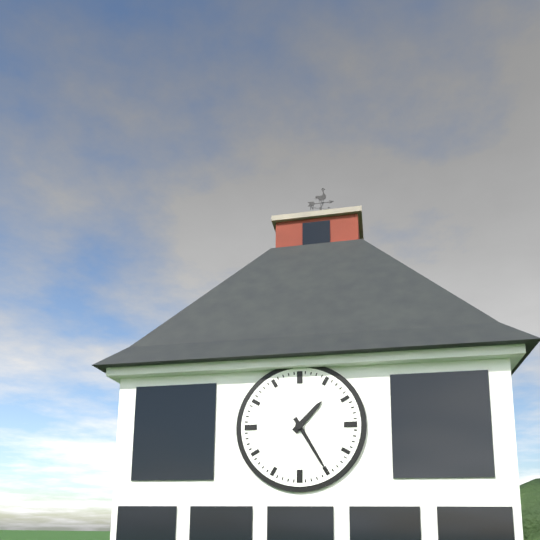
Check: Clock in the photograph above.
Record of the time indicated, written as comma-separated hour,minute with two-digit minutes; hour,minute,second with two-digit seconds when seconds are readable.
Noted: 1,25
